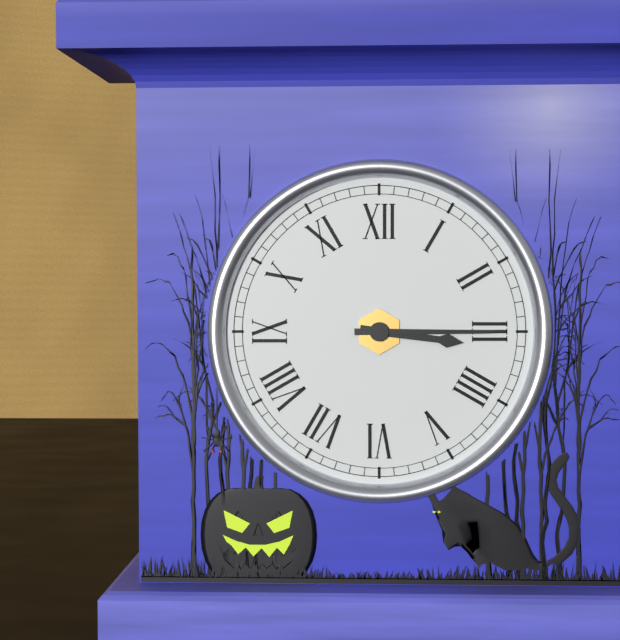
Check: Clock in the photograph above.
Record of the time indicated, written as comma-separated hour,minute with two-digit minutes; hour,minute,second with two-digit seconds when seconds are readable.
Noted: 3,15
